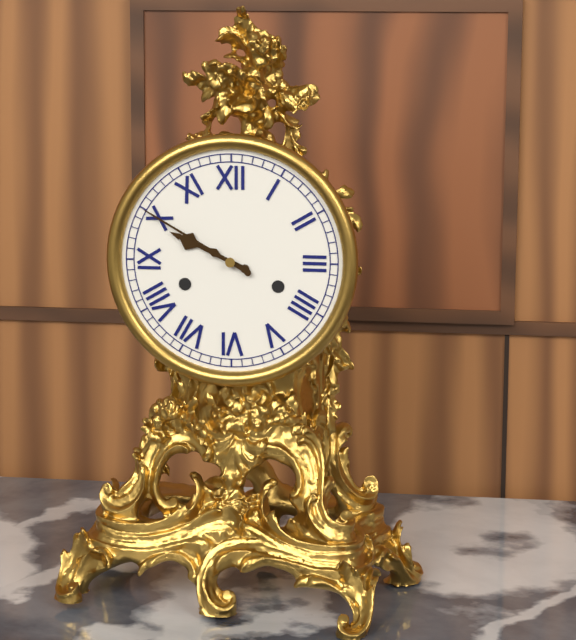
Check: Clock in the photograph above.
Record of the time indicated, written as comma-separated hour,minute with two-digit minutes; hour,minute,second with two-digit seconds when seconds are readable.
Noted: 9,50
